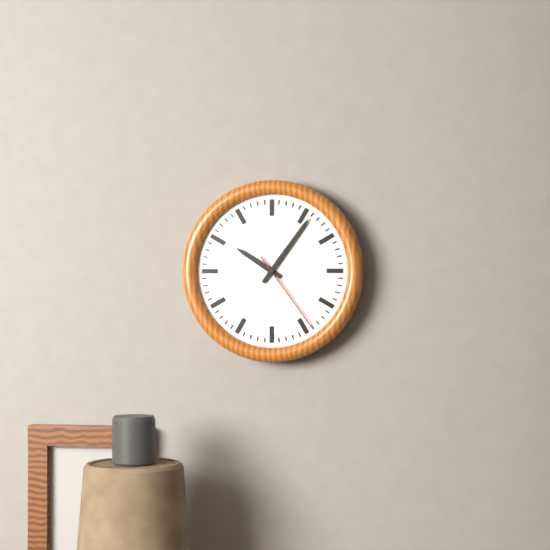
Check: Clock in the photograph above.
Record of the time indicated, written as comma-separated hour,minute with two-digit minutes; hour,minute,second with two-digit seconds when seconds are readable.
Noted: 10,06,24
